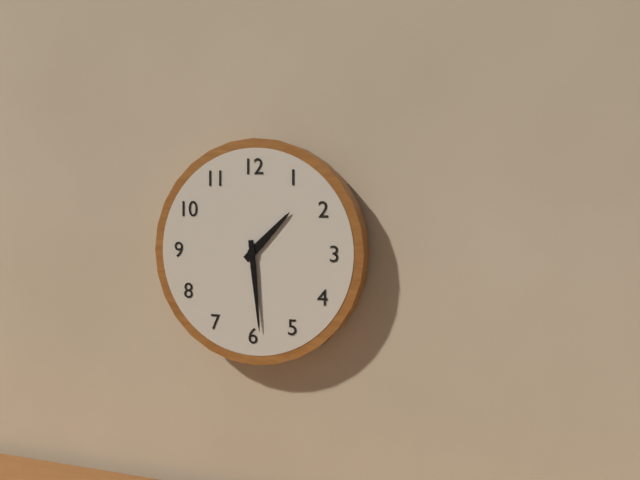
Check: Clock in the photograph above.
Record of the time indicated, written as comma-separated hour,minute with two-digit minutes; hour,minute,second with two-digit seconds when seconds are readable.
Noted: 1,29
